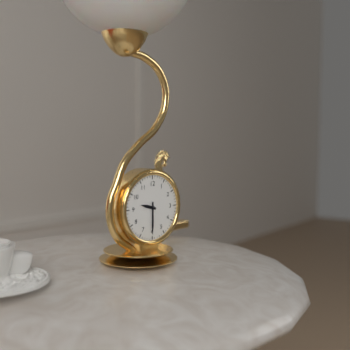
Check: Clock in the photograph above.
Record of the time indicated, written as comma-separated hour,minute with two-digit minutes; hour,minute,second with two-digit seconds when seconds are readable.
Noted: 9,30
